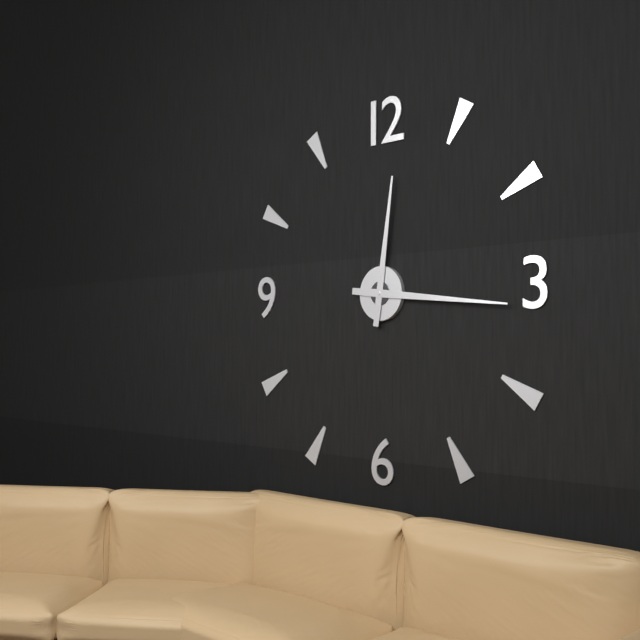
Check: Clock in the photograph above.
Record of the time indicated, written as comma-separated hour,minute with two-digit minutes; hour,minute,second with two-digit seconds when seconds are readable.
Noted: 12,16
